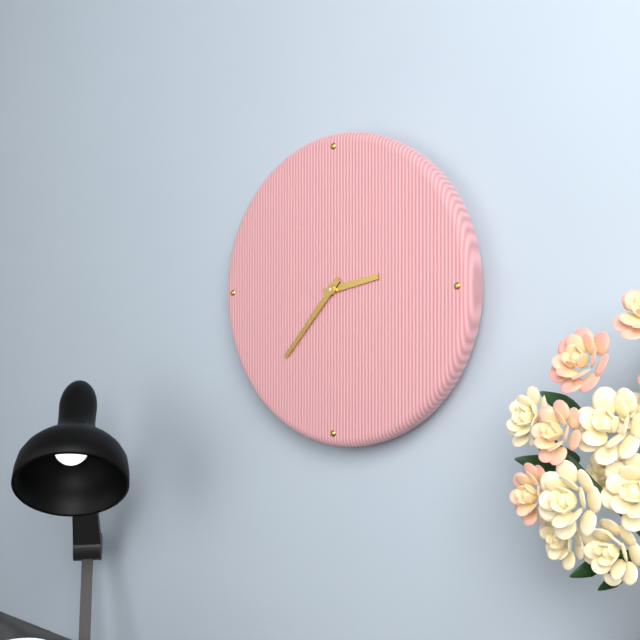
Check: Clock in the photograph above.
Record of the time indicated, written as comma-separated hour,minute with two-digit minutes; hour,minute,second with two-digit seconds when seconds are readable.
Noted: 2,37
